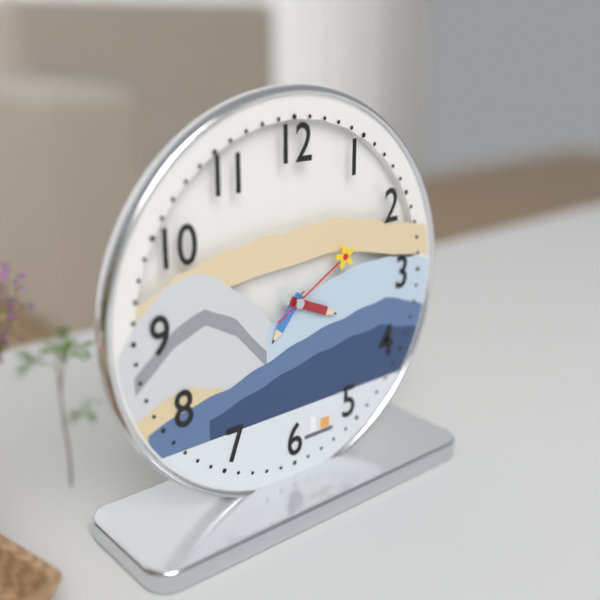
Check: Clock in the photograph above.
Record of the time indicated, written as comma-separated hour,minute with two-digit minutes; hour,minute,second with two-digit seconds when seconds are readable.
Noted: 7,19,10
